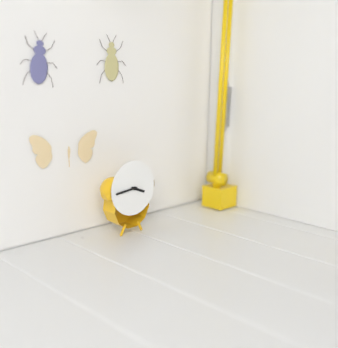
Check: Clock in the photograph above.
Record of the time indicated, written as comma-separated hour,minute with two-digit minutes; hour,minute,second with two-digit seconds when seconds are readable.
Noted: 3,44
